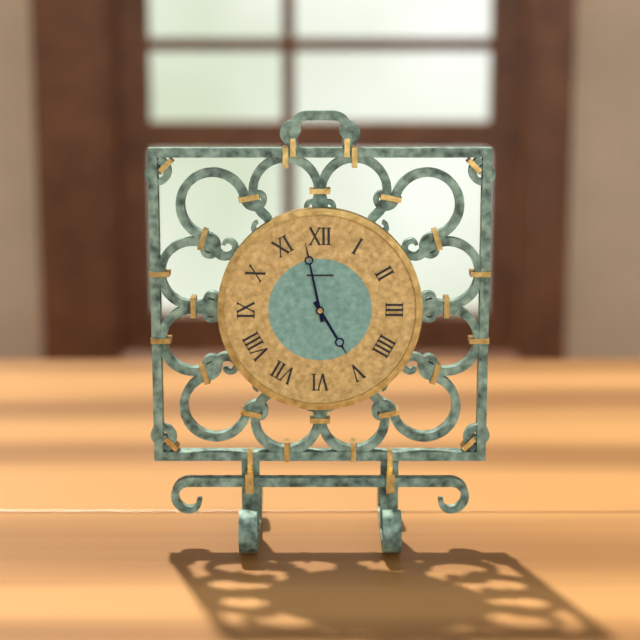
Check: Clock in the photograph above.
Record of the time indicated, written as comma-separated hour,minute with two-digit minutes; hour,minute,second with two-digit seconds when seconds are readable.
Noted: 4,58
